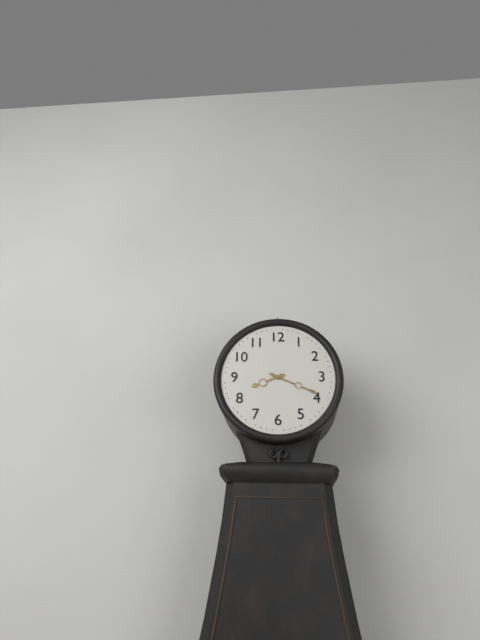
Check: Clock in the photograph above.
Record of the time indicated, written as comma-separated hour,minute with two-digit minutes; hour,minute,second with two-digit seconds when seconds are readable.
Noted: 8,19
